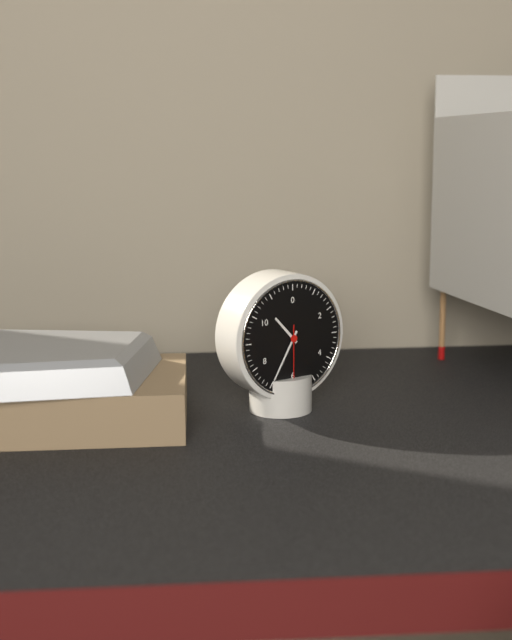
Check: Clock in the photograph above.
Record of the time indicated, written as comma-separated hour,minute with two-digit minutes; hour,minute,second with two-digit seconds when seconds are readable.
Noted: 10,35,30
